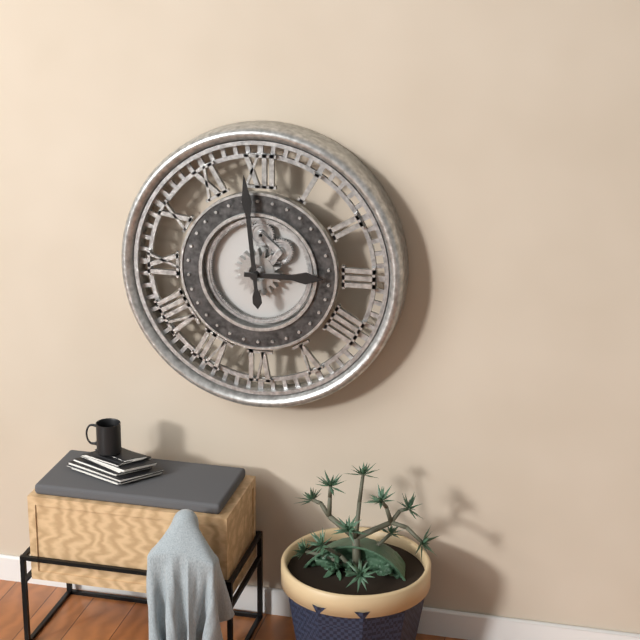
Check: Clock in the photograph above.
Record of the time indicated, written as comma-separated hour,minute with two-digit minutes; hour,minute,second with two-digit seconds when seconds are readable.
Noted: 2,59
